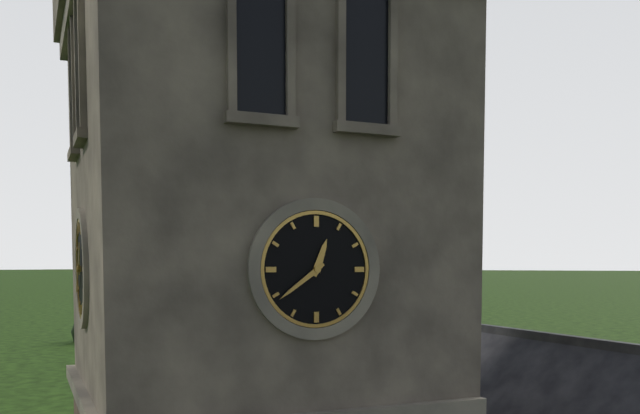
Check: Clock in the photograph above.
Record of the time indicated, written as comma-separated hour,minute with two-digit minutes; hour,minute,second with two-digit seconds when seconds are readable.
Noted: 12,39
